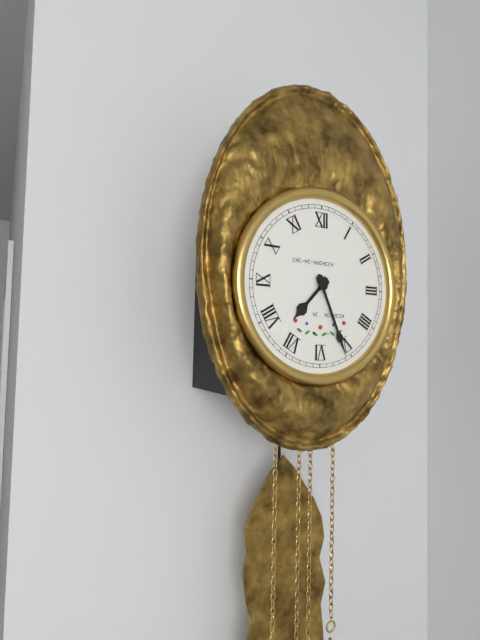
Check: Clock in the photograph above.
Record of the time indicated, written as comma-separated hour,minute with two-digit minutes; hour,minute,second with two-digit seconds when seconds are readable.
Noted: 7,26
